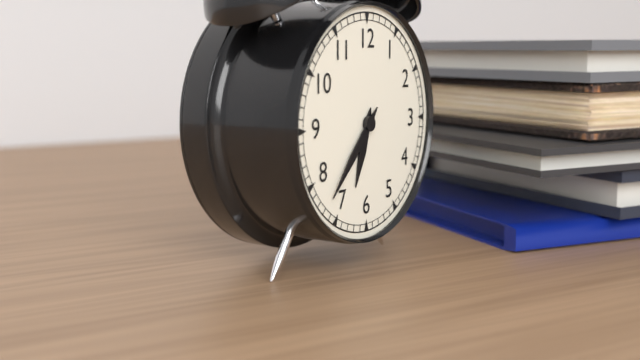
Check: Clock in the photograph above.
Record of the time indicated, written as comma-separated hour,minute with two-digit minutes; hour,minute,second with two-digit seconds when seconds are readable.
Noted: 6,37
